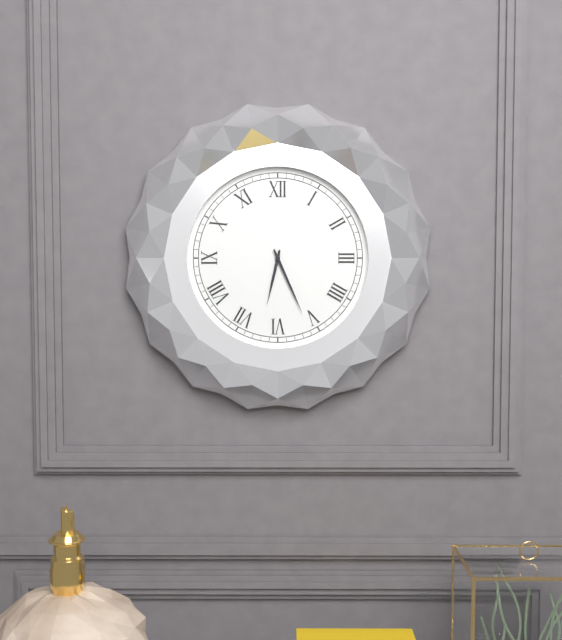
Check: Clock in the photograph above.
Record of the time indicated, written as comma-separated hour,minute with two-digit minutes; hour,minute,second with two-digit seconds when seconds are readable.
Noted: 6,26
